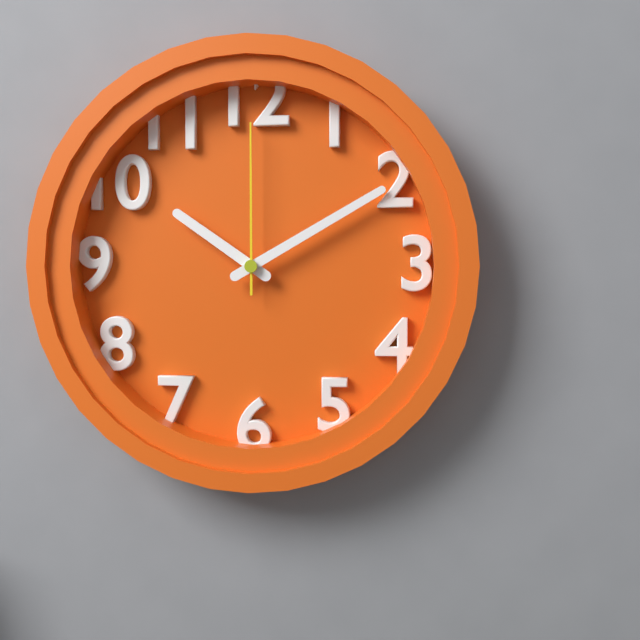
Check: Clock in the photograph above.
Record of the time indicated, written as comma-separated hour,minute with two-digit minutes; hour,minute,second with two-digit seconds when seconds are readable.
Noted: 10,10,00
